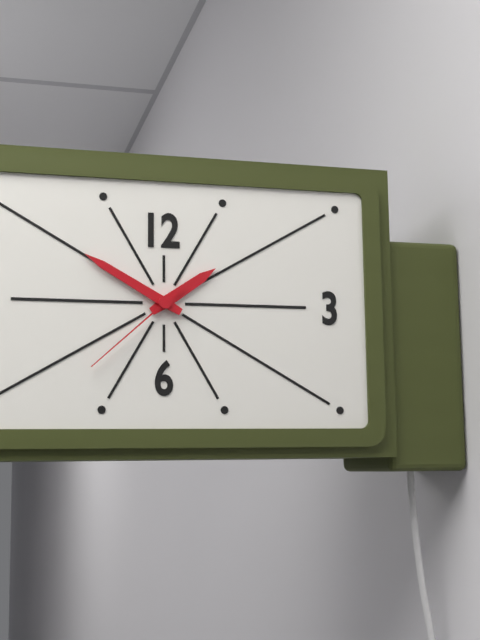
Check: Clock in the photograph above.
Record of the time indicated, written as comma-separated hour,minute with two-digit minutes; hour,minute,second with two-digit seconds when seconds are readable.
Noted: 1,50,38
